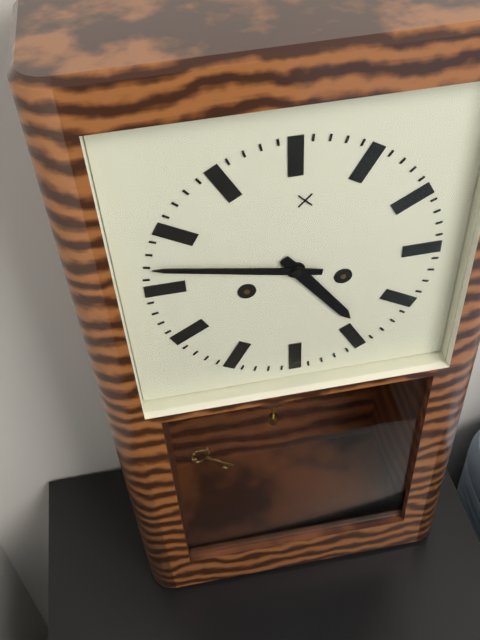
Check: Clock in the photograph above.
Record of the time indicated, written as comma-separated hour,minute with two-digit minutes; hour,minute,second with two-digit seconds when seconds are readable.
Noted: 4,47
